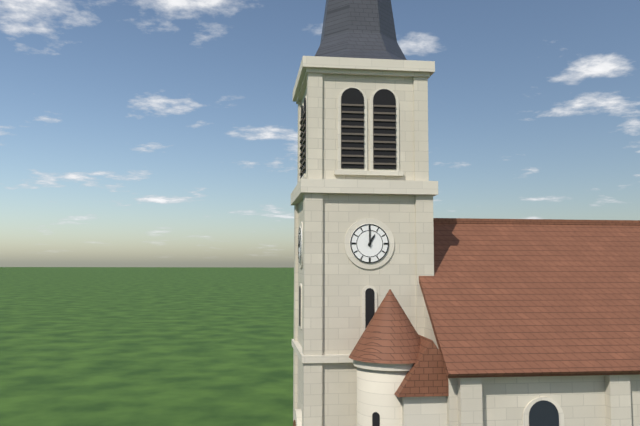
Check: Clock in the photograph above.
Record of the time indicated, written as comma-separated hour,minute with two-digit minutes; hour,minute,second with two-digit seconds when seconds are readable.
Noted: 1,00
